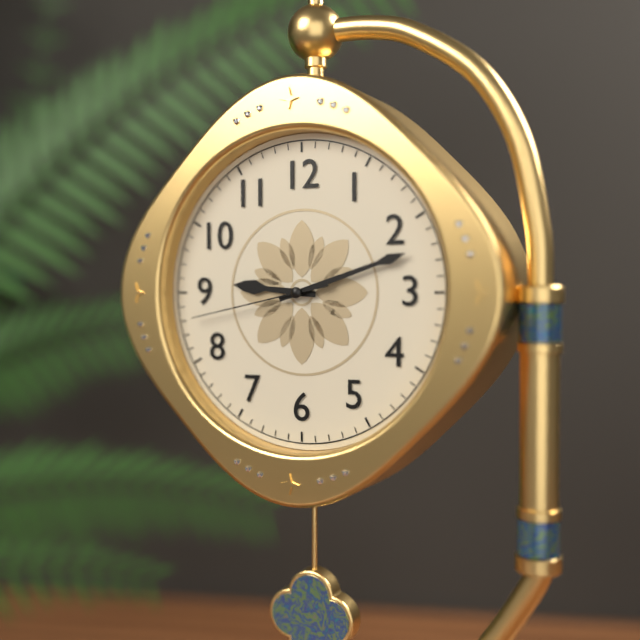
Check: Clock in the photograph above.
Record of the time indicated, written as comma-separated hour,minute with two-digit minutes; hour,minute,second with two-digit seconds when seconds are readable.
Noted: 9,12,43
